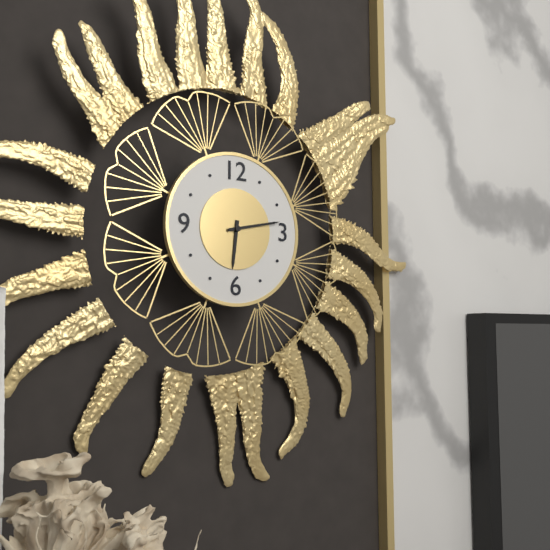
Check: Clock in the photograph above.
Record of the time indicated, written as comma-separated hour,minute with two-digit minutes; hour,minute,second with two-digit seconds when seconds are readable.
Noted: 6,13
